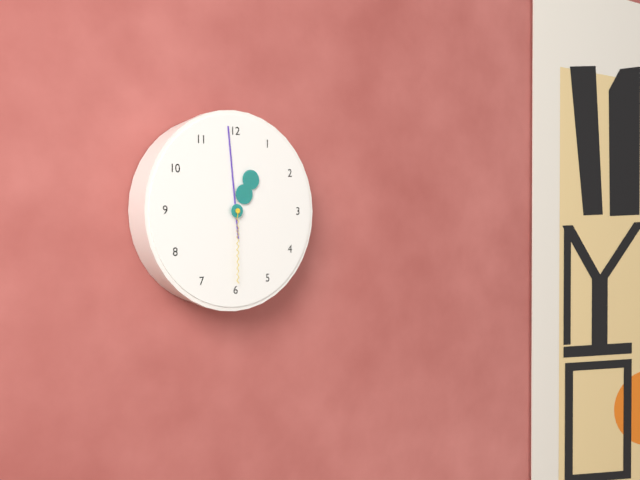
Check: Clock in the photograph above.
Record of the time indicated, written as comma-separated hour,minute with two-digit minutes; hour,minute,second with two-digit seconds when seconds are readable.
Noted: 12,59,30
